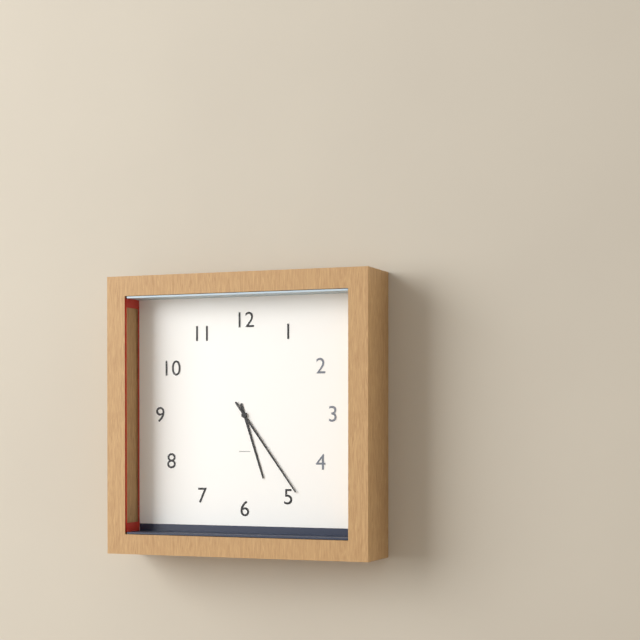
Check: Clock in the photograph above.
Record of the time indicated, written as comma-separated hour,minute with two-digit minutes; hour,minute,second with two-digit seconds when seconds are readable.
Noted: 5,24
